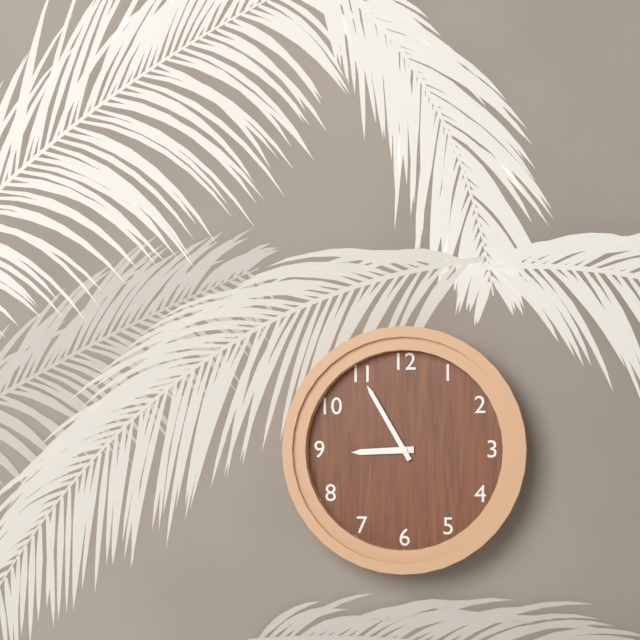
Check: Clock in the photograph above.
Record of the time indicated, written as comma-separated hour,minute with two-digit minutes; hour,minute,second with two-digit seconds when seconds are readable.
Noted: 8,55
